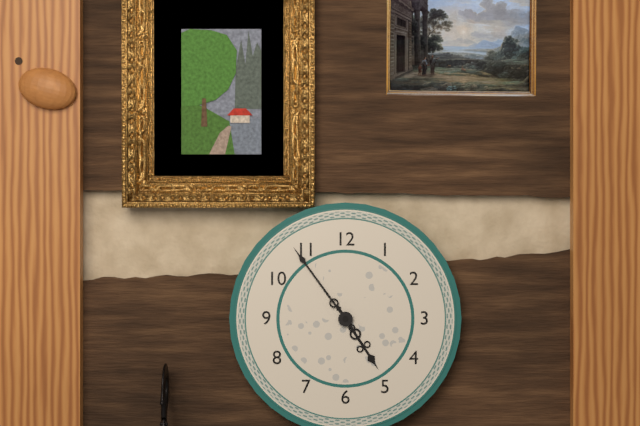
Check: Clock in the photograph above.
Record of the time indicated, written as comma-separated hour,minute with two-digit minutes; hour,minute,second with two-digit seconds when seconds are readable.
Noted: 4,54
